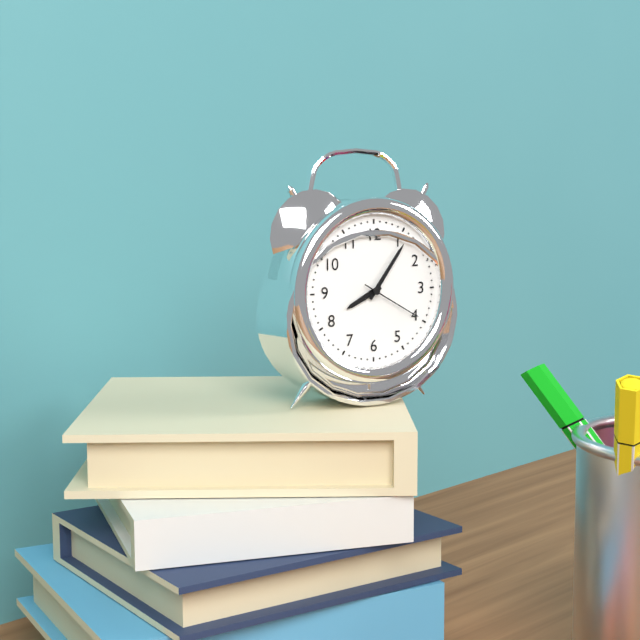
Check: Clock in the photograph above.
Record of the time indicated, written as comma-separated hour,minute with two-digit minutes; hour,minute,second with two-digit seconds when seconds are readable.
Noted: 8,06,20
